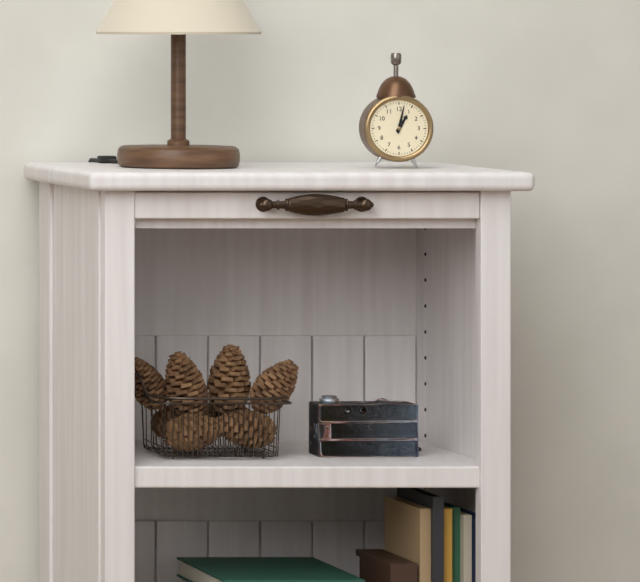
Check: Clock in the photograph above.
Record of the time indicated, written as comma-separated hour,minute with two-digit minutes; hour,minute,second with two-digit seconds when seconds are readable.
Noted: 1,02
